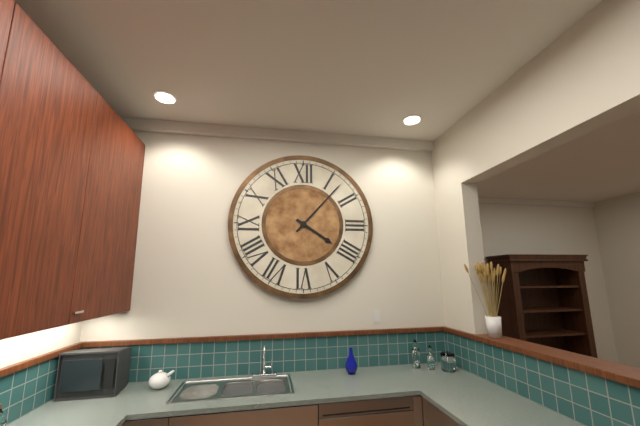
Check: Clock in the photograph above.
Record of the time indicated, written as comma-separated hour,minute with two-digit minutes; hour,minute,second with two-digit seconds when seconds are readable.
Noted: 4,07
